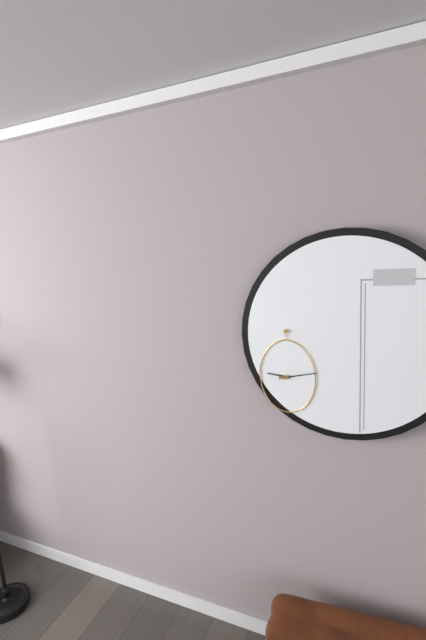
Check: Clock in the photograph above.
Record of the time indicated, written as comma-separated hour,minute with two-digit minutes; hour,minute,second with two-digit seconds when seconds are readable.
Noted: 9,13
